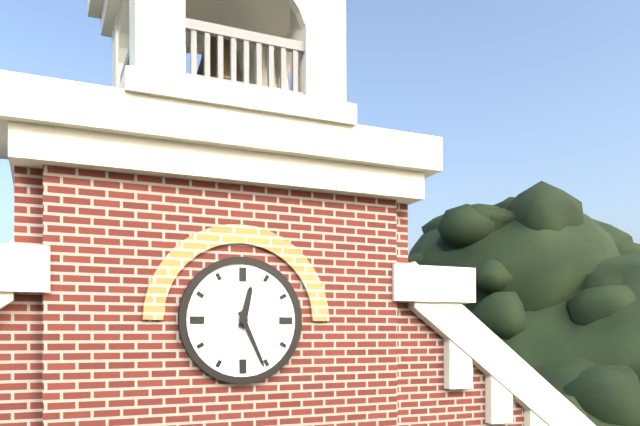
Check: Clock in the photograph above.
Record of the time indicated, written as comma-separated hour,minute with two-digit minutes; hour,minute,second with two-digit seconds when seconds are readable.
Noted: 12,26
